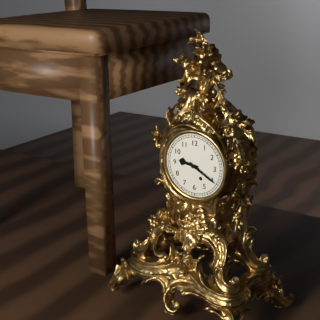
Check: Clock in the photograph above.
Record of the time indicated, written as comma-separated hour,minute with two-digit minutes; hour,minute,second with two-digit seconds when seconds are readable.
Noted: 9,20
